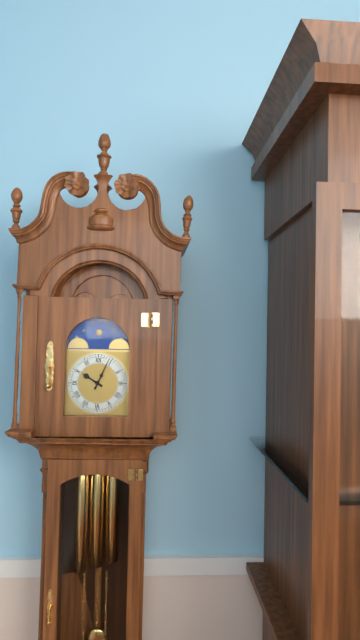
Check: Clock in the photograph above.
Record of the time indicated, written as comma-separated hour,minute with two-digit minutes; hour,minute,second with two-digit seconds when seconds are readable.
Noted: 10,04
